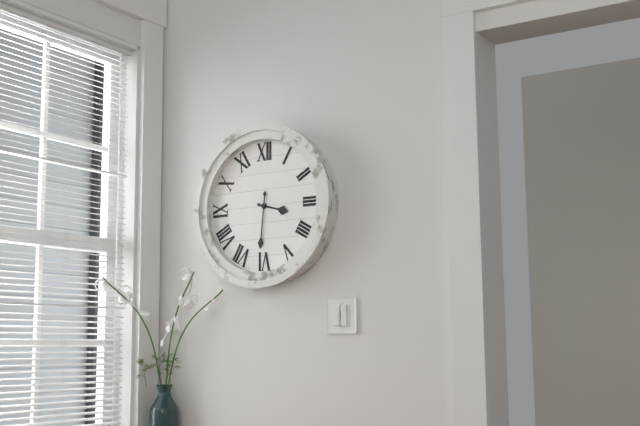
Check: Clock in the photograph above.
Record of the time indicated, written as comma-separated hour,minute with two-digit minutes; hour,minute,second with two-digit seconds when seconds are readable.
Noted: 3,31
